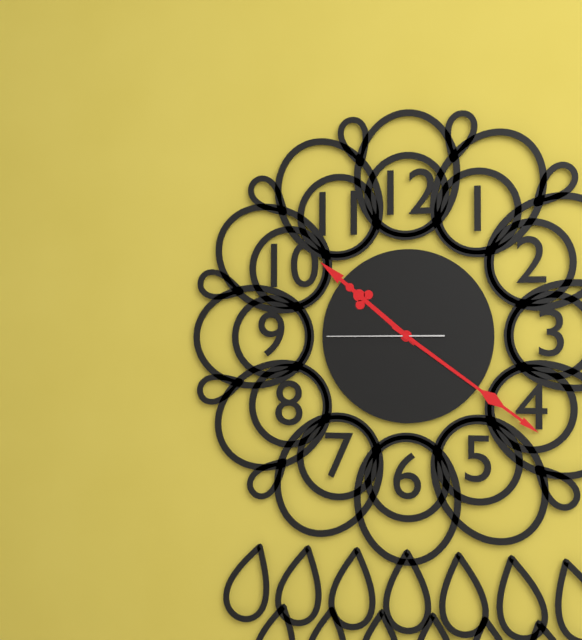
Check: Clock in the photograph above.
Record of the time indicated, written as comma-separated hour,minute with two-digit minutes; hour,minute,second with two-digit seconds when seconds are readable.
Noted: 10,21,45
